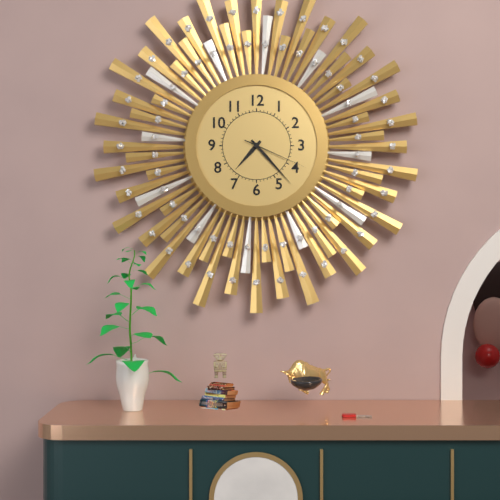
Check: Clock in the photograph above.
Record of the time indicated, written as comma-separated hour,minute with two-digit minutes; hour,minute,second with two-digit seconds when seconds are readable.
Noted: 7,23,19
